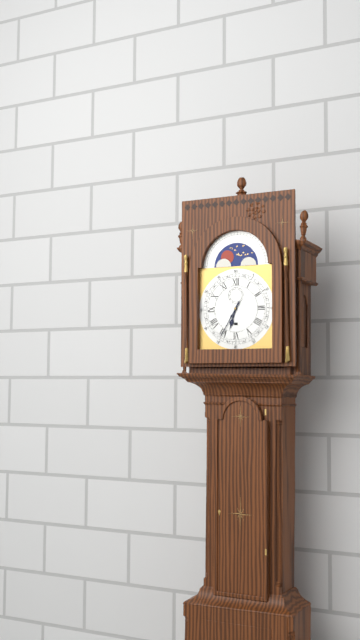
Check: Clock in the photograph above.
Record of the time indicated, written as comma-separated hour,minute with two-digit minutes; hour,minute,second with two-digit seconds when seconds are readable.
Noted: 6,35
